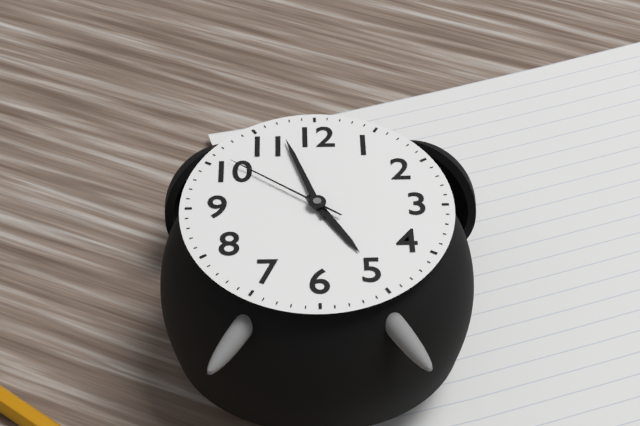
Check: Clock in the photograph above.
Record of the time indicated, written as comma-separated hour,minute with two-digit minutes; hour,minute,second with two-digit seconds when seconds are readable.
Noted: 4,57,51
